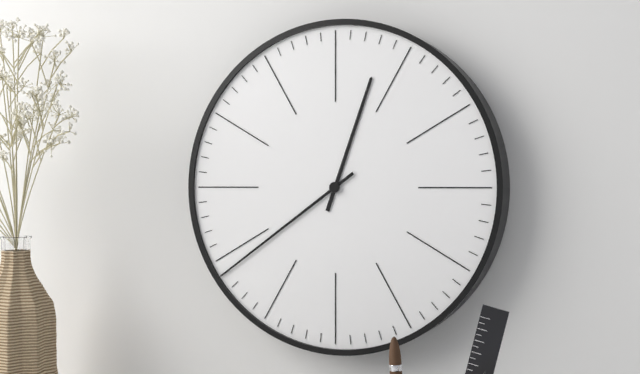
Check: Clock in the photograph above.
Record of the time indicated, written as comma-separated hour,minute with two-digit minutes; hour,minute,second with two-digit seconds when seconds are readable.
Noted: 12,39
